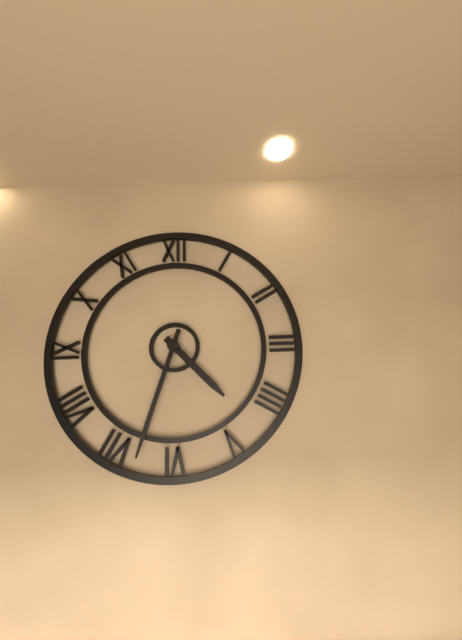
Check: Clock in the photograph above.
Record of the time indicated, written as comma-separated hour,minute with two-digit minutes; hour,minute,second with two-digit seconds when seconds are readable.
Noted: 4,33
